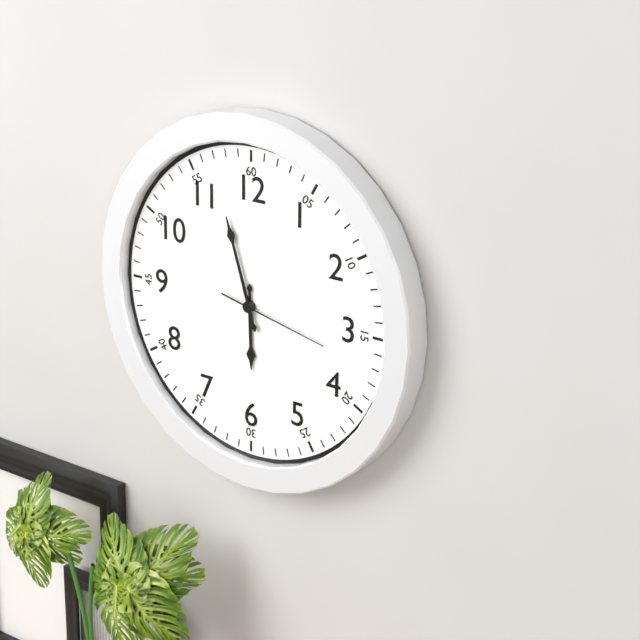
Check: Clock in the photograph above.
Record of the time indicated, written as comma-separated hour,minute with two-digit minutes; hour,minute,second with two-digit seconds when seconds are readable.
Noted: 5,57,17
